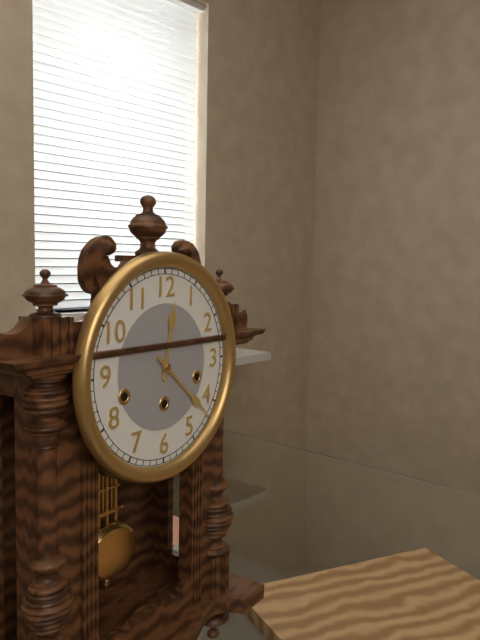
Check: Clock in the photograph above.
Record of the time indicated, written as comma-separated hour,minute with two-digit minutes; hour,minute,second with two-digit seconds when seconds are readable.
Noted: 12,22
